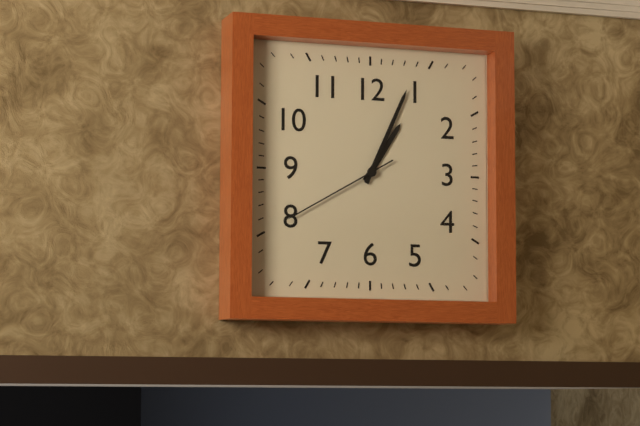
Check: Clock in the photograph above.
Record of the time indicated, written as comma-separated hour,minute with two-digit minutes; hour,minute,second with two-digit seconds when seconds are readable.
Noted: 1,04,40
